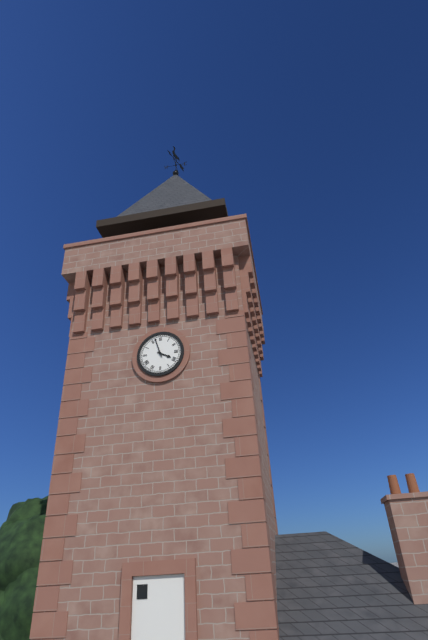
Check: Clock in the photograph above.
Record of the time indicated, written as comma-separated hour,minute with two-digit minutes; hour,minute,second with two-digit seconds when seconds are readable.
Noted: 3,57
